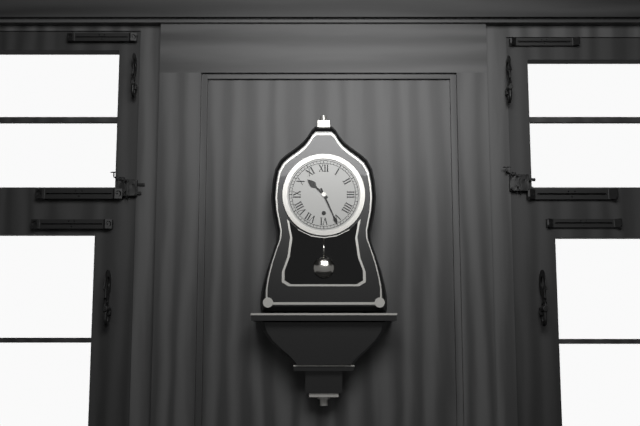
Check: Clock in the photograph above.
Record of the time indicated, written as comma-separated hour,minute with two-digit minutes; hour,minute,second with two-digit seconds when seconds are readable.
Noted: 10,26
